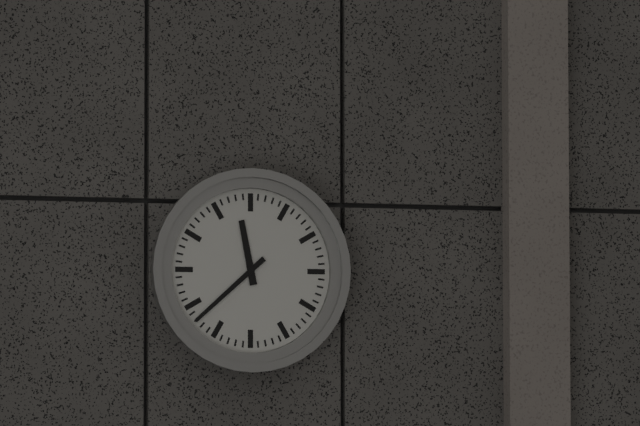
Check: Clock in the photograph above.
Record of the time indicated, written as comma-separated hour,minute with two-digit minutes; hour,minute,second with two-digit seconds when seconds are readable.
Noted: 11,38
